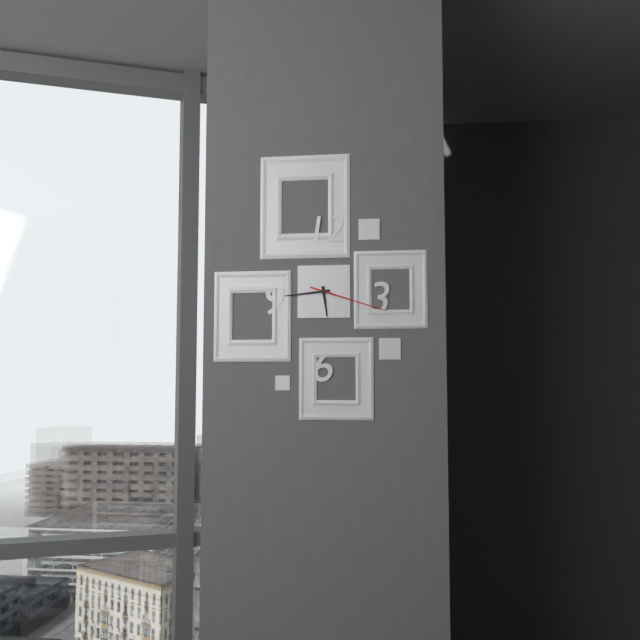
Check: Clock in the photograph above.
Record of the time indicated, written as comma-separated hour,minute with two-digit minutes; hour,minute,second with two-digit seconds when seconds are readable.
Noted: 5,44,18
